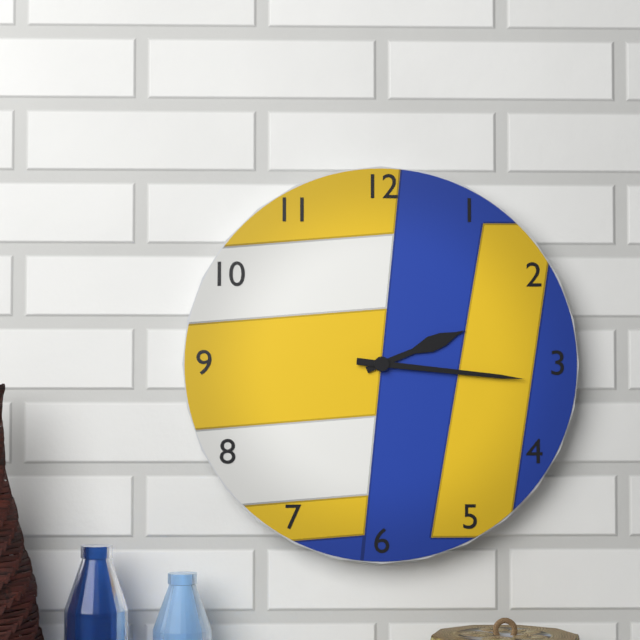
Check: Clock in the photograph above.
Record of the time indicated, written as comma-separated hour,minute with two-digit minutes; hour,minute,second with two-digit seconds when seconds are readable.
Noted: 2,16
